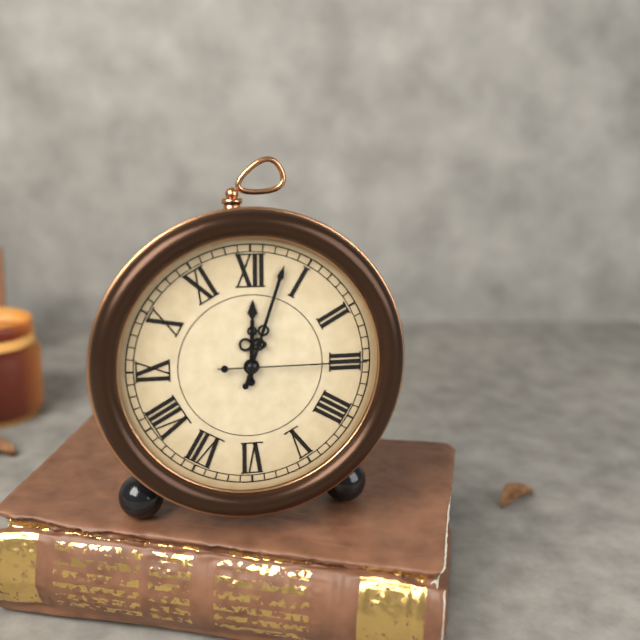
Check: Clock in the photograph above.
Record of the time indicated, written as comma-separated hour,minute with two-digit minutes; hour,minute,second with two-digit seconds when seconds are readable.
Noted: 12,03,15
